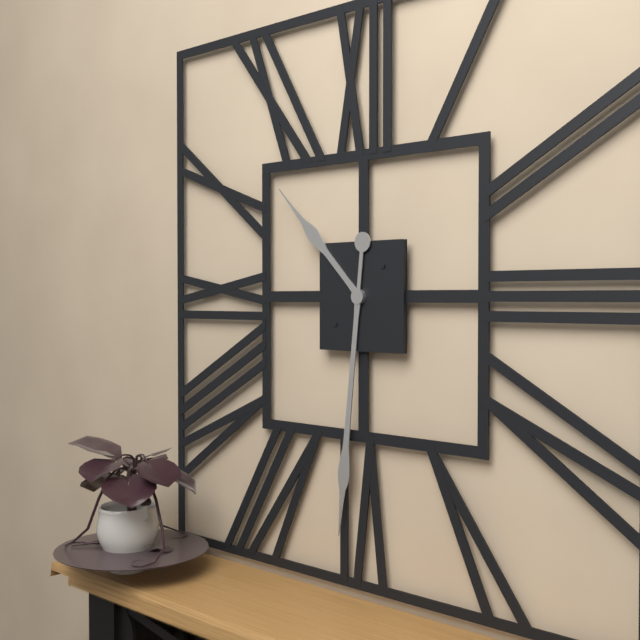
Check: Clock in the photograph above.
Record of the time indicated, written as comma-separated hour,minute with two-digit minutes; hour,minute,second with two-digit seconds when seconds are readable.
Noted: 10,31
